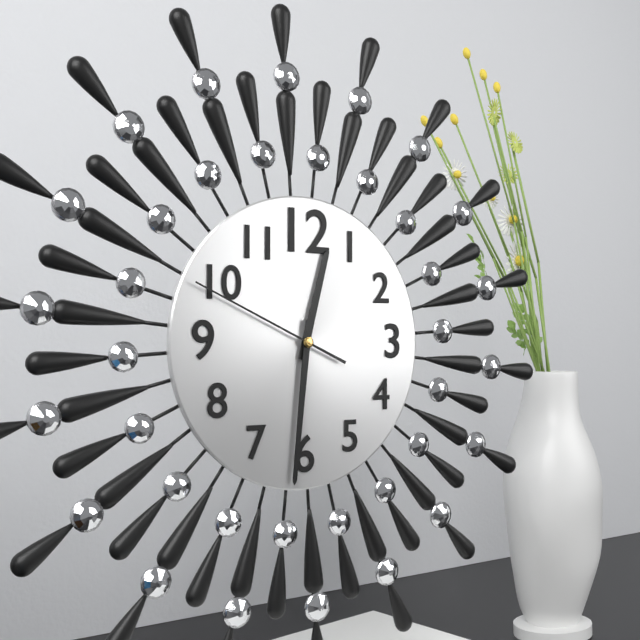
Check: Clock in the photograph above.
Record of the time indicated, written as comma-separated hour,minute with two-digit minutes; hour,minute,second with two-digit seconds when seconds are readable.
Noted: 12,31,49
